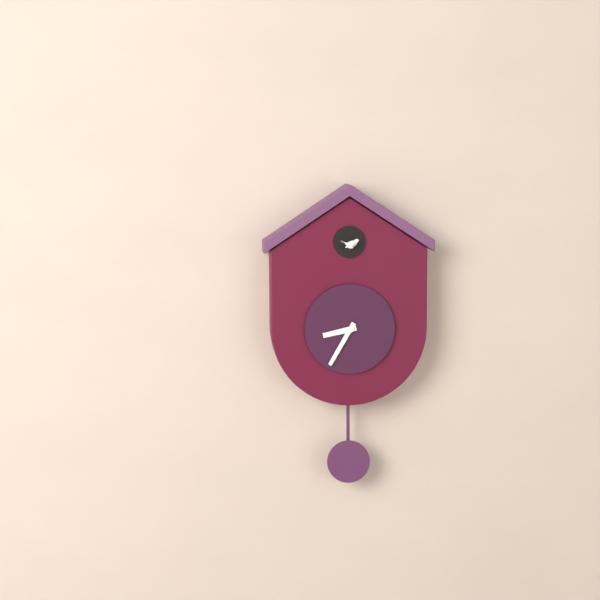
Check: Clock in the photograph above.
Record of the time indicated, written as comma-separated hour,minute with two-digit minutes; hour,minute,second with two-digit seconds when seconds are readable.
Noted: 8,35
